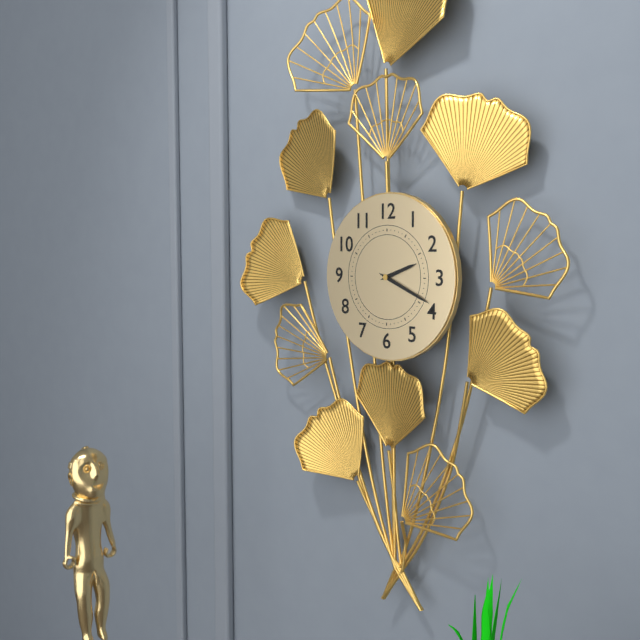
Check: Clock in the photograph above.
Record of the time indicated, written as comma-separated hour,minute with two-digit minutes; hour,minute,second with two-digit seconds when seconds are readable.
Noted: 2,19
